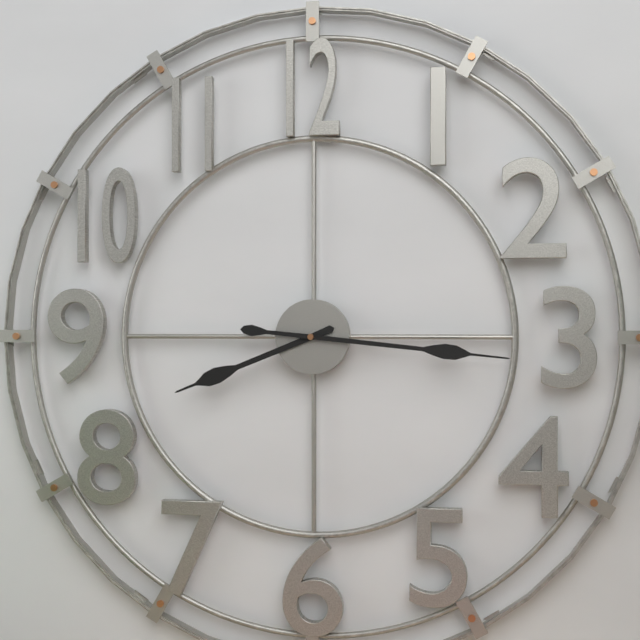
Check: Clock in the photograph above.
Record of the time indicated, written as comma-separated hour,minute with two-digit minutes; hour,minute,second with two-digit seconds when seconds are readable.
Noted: 8,16
